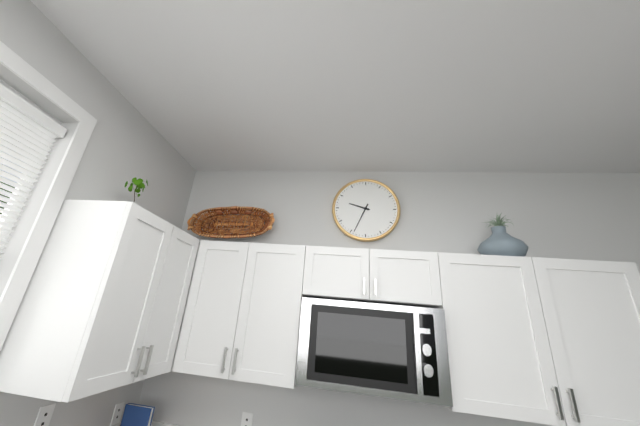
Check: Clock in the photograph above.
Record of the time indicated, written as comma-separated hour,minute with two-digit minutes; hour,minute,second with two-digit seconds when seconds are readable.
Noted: 9,34
